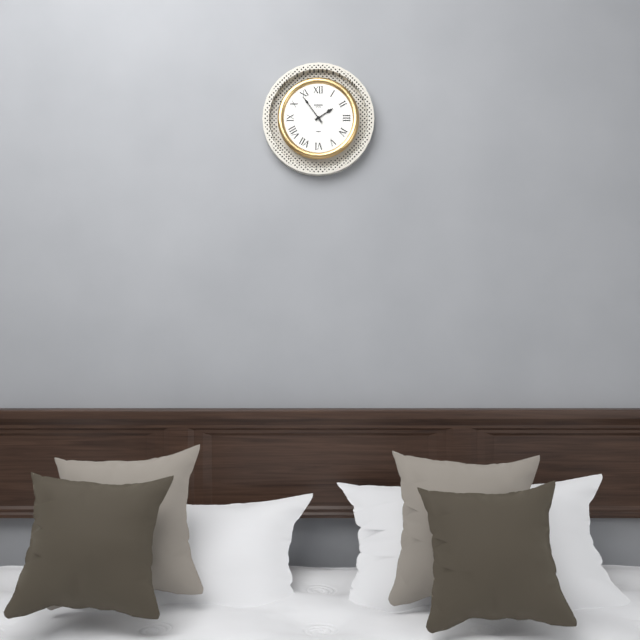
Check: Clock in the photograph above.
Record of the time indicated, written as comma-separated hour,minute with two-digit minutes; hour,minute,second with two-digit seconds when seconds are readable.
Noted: 1,54
